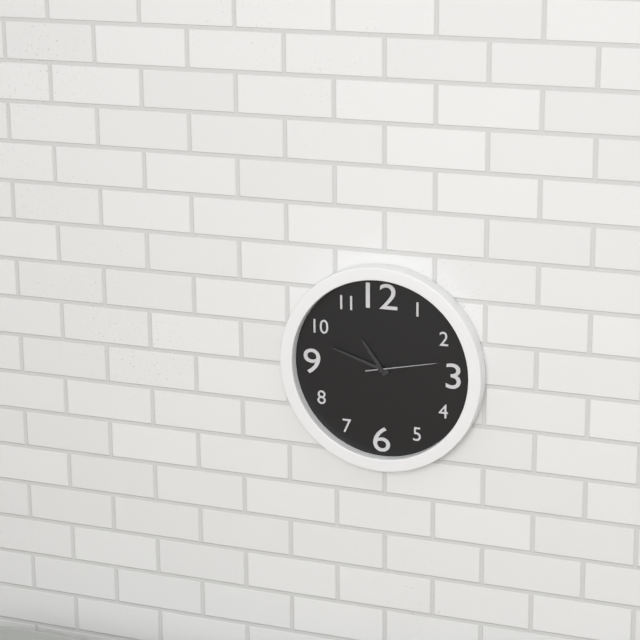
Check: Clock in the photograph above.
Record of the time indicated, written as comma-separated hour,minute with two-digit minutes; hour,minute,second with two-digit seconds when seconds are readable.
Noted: 10,48,13
